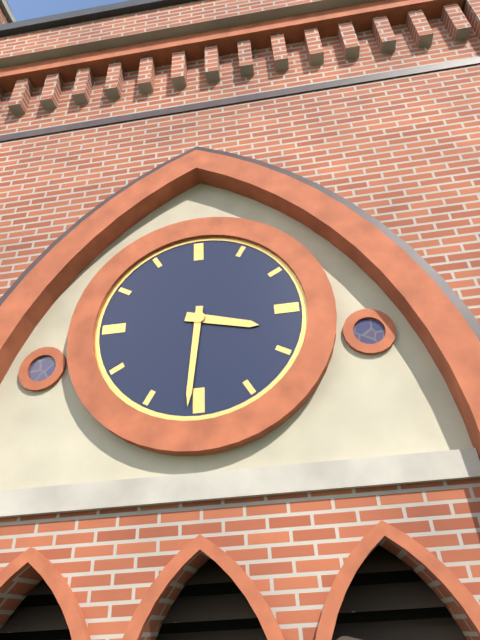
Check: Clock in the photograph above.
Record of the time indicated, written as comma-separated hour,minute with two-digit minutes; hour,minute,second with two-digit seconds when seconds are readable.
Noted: 3,31
